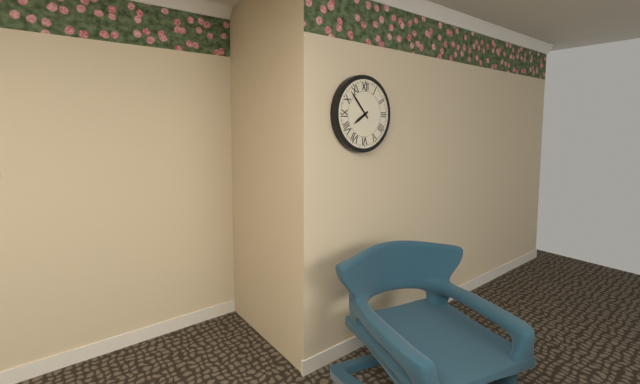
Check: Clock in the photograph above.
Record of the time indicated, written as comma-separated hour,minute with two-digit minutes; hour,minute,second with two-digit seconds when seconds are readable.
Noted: 7,53
